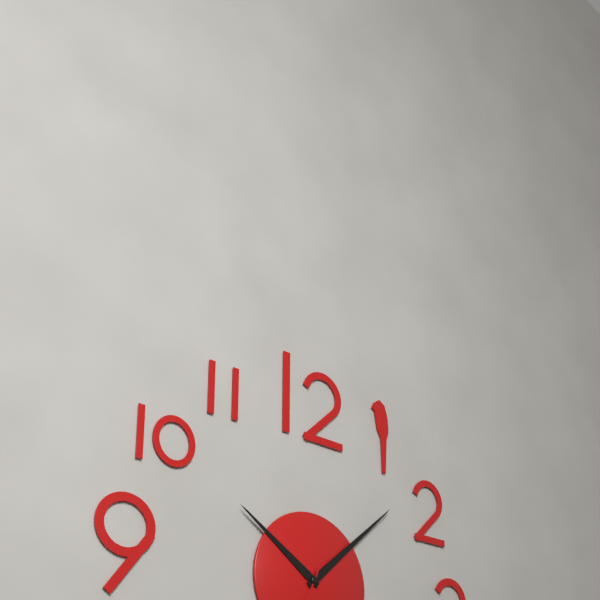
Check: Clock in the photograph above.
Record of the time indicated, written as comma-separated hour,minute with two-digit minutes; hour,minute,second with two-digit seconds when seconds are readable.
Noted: 10,08
